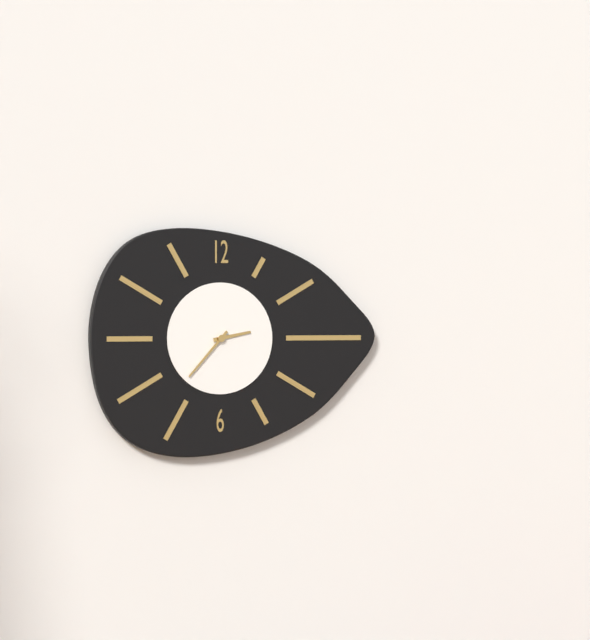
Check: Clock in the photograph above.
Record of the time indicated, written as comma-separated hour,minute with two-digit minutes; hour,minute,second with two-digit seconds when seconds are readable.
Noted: 2,37
